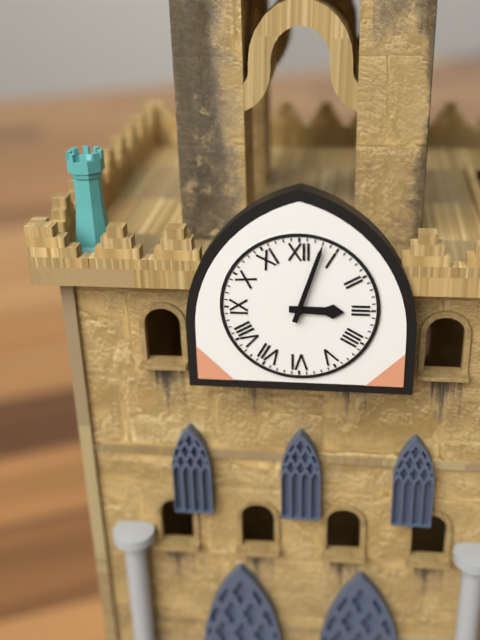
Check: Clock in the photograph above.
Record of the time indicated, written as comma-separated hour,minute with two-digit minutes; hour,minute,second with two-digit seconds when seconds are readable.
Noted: 3,03
